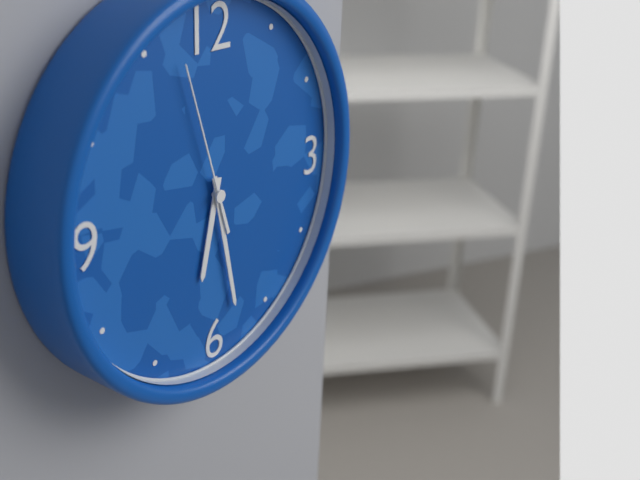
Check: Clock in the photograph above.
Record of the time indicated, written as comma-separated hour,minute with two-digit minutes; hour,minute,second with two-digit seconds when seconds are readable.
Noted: 6,28,57
